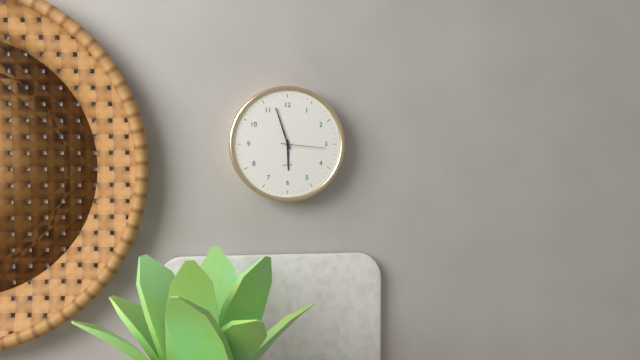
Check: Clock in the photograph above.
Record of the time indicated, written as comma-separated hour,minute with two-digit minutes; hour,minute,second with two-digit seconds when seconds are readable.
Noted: 5,57
